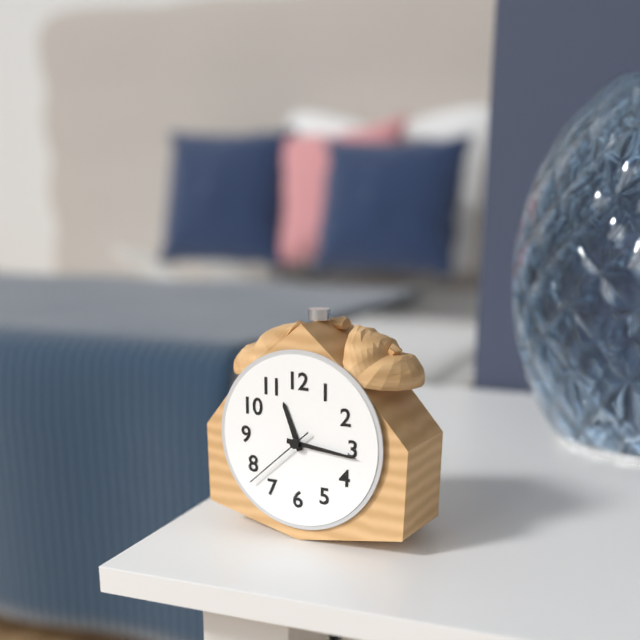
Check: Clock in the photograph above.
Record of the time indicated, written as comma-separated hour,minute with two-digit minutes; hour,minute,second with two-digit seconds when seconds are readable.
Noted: 11,16,38
